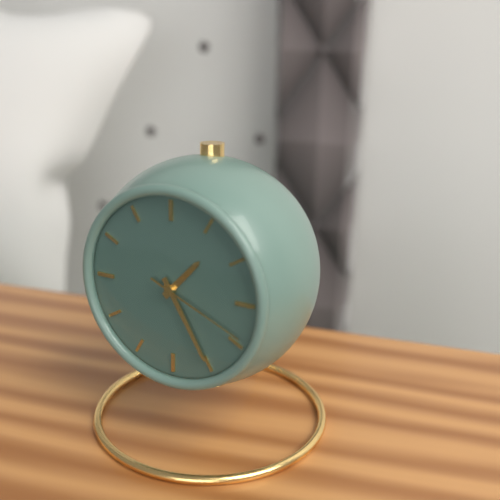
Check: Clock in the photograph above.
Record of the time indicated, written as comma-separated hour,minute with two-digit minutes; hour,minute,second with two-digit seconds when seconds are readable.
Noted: 1,25,19
